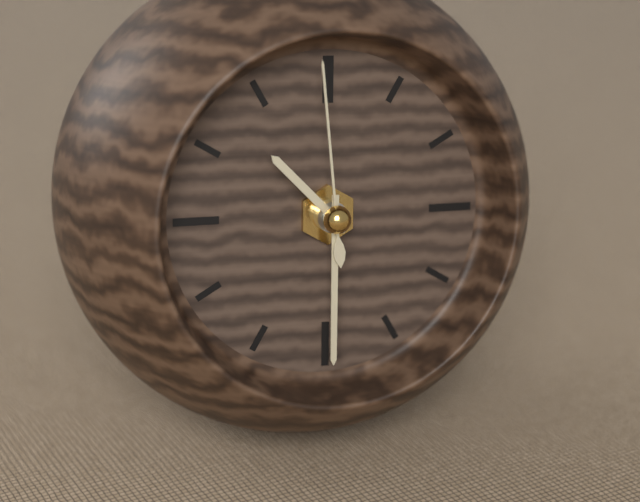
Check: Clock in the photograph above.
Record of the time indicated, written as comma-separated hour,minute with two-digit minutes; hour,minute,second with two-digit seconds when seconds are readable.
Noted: 10,30,59
